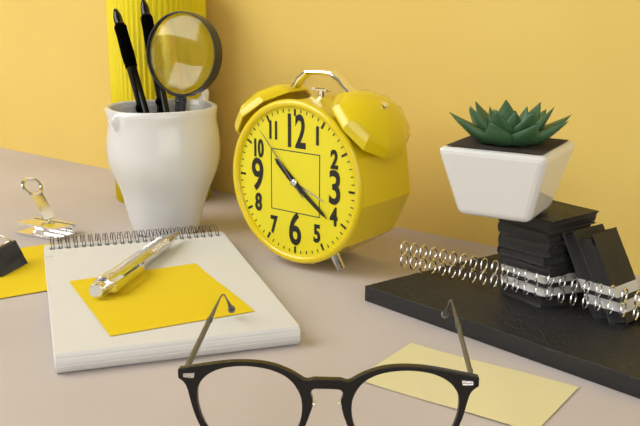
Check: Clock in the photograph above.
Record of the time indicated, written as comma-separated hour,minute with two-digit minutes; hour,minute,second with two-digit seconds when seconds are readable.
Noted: 10,21,53
